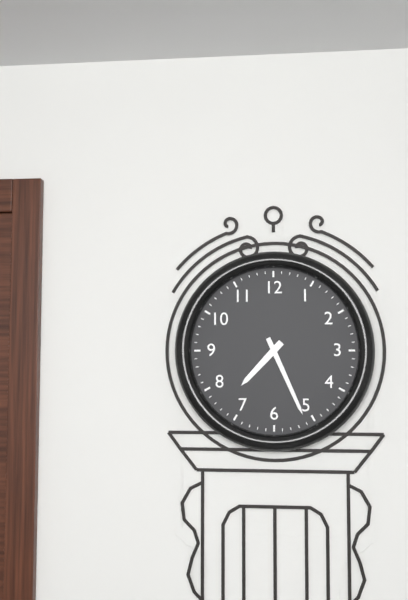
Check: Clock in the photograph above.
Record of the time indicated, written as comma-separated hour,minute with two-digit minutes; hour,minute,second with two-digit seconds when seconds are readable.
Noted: 7,26
